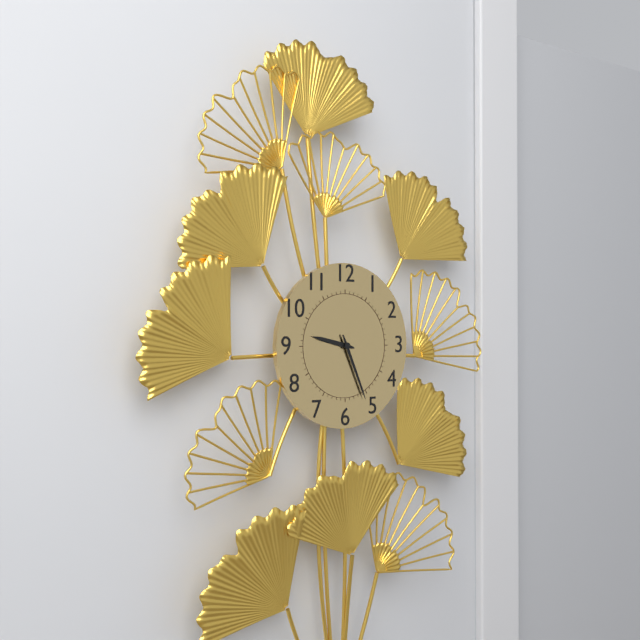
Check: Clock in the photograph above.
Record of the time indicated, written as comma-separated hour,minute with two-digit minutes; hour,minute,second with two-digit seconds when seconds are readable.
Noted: 9,26
